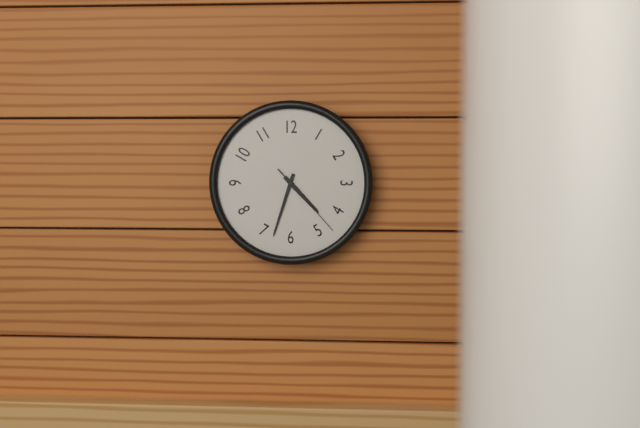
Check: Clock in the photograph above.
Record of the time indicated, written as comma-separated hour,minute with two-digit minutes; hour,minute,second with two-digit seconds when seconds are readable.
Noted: 4,33,23
